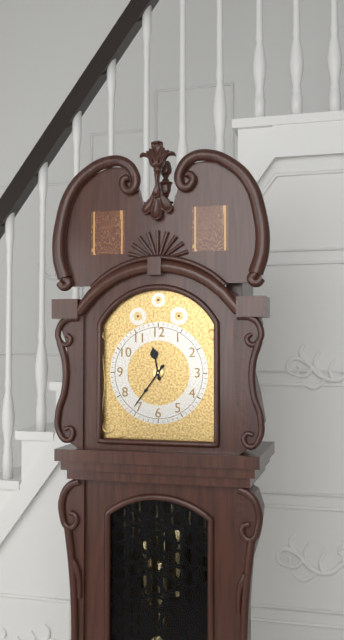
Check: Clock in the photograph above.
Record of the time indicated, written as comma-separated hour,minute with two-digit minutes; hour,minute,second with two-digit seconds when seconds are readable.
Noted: 11,36
